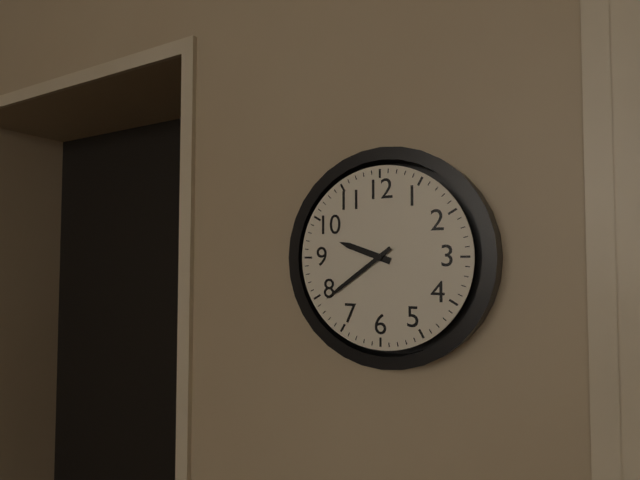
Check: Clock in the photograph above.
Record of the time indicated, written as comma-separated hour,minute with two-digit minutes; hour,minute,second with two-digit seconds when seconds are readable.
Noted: 9,39
